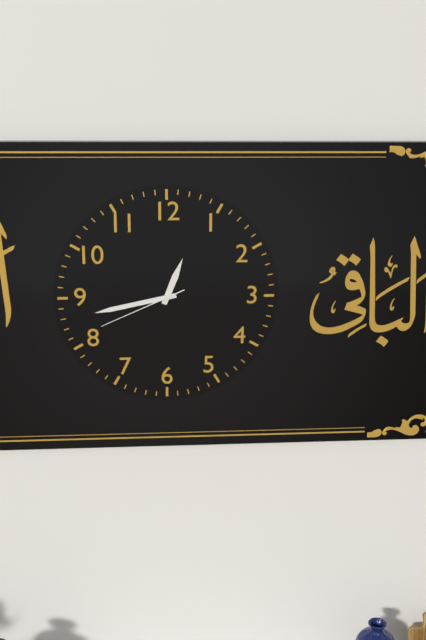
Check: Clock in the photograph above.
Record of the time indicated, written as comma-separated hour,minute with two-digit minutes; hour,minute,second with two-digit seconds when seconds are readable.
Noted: 12,43,41
